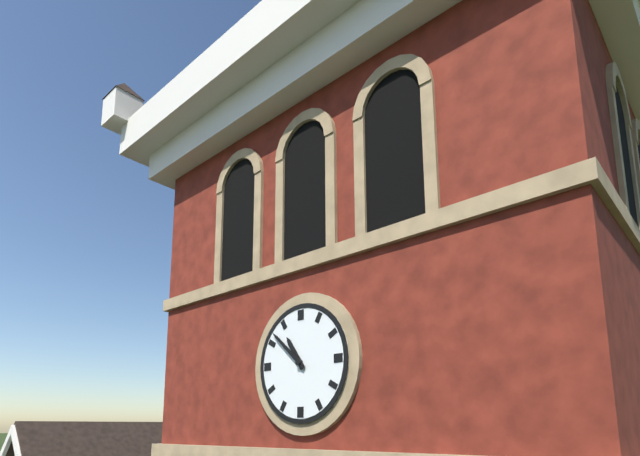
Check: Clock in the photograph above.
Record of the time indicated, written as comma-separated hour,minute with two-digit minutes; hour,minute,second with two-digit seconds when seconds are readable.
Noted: 10,52
